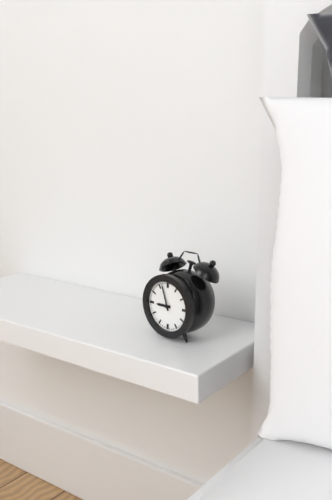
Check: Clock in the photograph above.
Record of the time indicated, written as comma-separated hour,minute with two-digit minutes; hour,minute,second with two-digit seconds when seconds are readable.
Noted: 8,57
